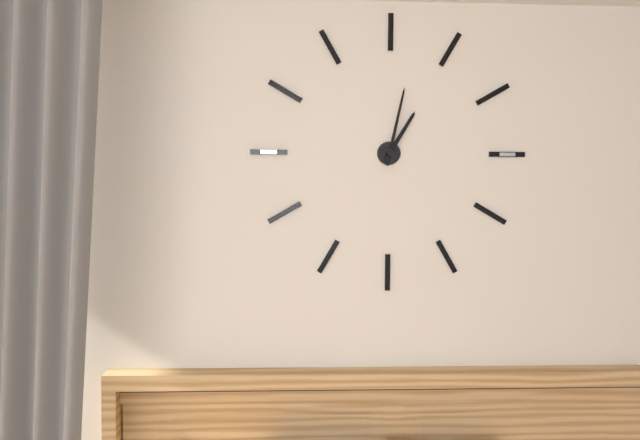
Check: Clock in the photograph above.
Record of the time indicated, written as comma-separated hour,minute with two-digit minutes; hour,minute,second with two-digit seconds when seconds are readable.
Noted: 1,02
